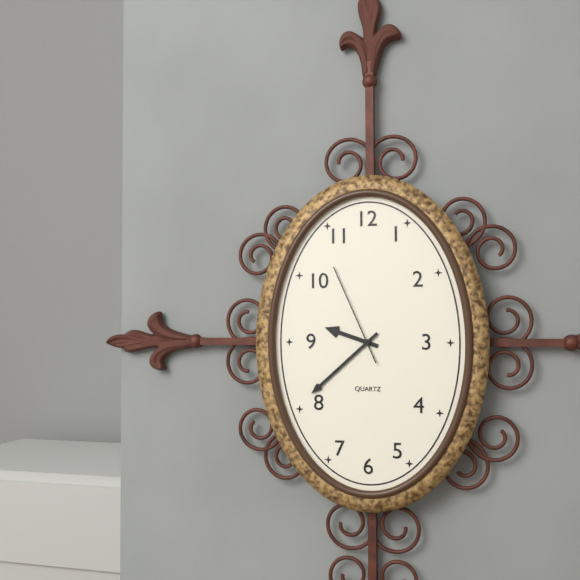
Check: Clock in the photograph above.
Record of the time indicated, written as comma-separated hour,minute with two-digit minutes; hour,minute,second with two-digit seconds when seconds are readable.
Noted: 9,38,56
